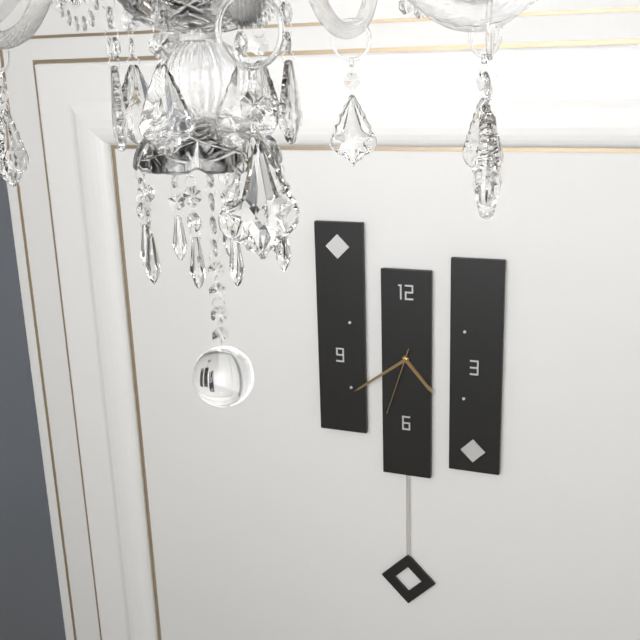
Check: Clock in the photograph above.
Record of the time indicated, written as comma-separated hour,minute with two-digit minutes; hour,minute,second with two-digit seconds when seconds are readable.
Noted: 4,39,33
